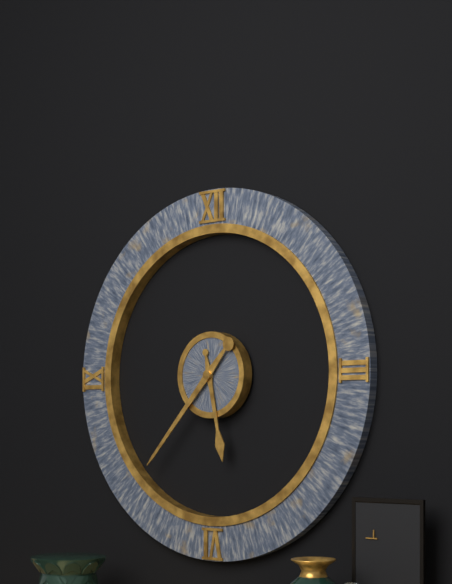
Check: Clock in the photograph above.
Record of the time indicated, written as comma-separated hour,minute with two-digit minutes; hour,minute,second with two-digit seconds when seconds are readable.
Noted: 5,37
